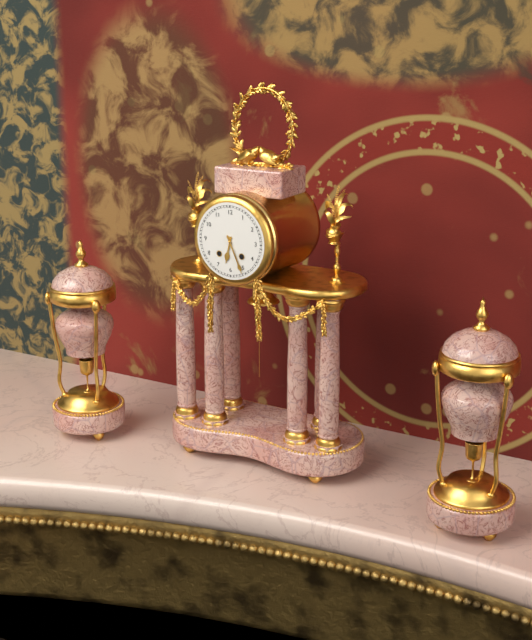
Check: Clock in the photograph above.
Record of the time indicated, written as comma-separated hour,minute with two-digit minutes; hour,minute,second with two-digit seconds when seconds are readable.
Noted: 6,26
